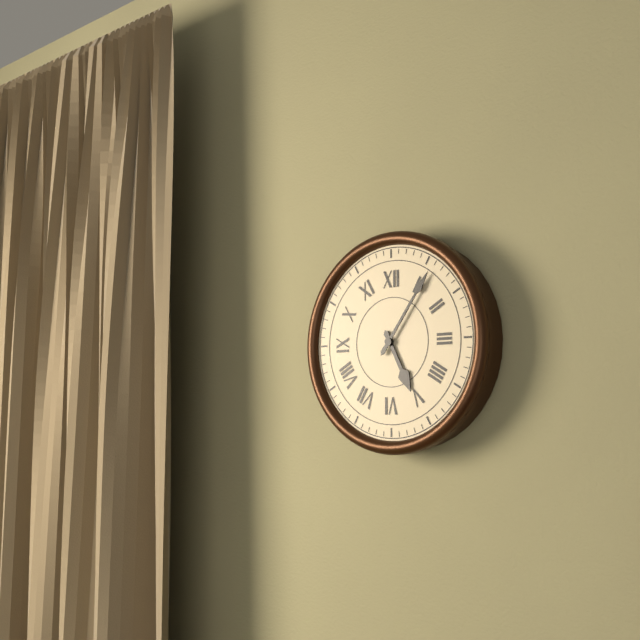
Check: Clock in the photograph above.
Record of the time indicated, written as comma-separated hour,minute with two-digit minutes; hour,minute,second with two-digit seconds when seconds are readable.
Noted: 5,06
